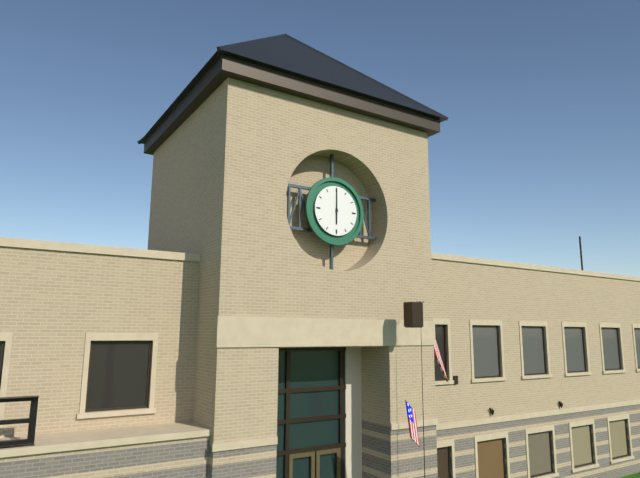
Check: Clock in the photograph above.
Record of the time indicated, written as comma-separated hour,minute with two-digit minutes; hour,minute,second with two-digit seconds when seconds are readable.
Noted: 6,00
